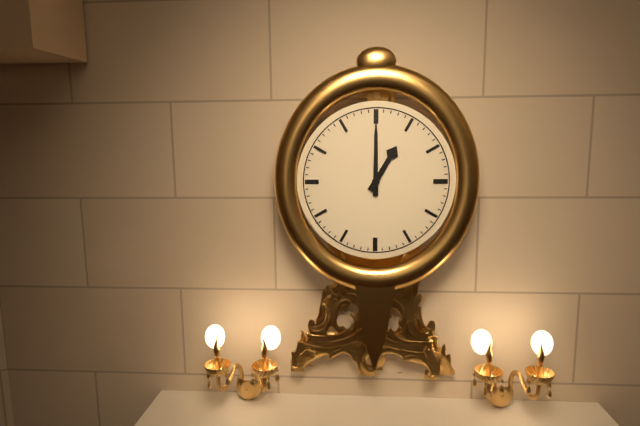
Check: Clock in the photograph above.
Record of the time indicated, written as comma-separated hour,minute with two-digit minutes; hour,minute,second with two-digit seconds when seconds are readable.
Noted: 1,00
